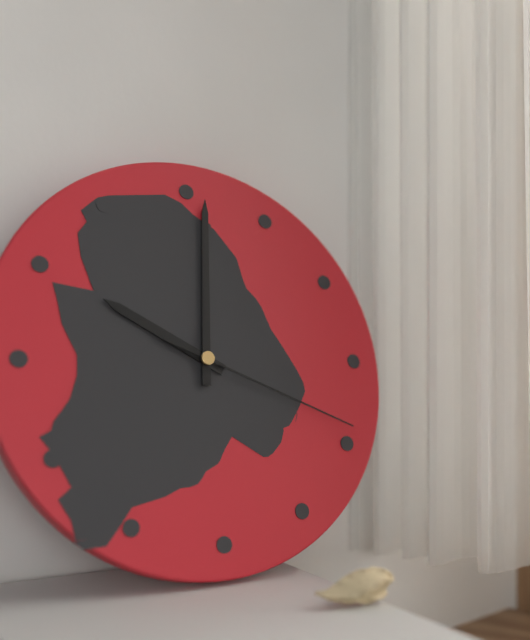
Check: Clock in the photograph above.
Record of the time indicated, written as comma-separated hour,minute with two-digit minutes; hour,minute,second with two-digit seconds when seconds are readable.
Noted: 10,01,19
